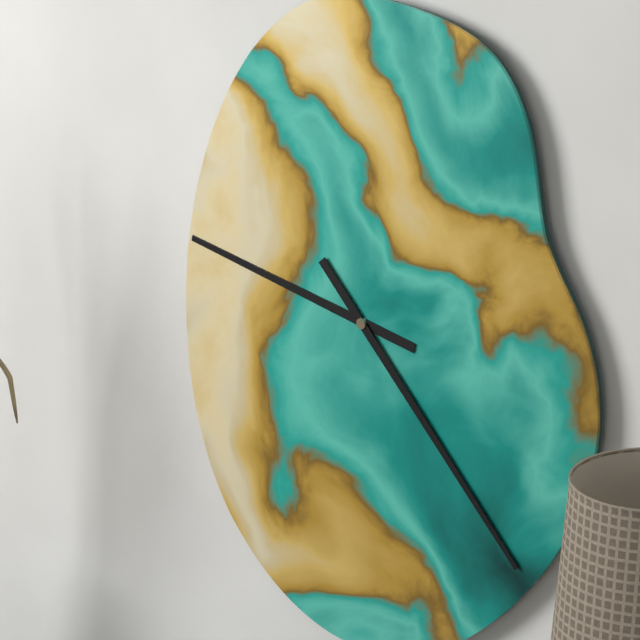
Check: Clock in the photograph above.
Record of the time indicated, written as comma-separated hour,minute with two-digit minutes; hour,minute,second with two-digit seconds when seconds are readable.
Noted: 9,23
